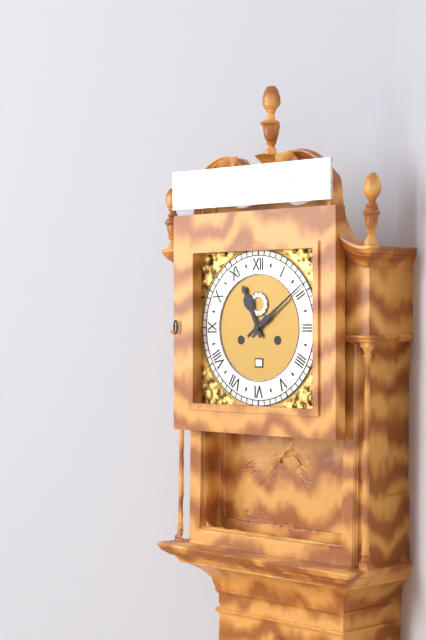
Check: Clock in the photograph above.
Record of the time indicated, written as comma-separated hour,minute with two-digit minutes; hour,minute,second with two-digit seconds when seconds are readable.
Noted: 11,09
